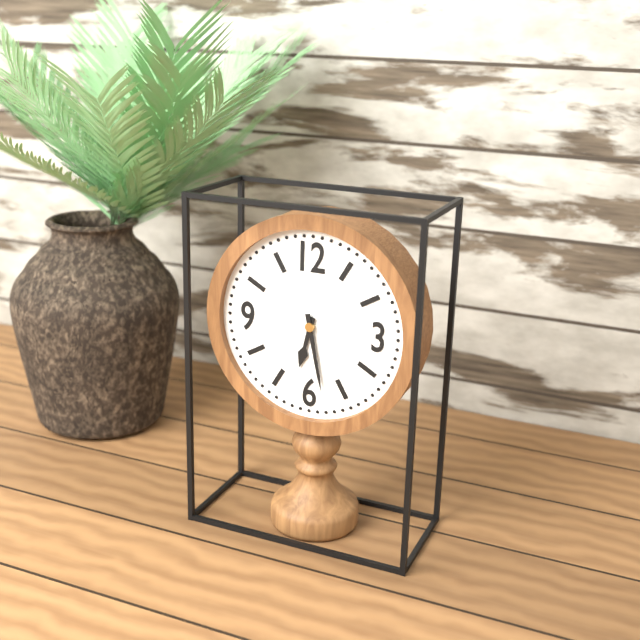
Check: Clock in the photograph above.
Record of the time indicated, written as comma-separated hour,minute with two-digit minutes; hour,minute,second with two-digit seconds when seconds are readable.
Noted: 6,28
